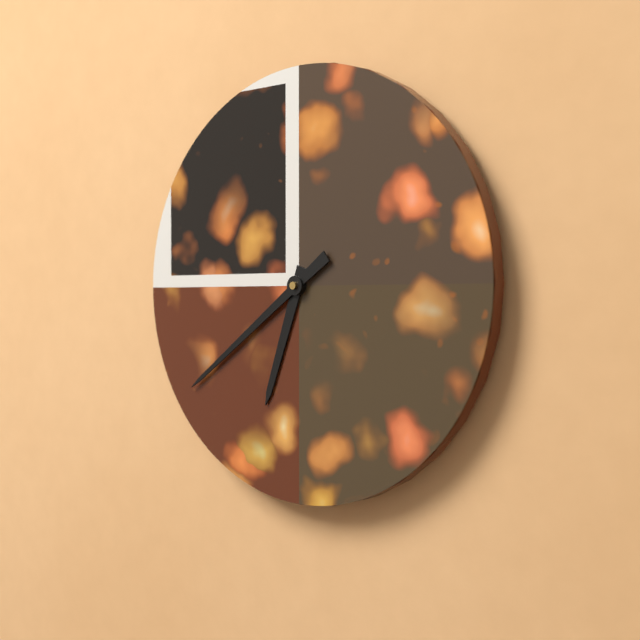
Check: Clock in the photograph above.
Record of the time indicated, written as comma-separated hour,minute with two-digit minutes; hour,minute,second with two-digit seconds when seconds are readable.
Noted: 6,39
